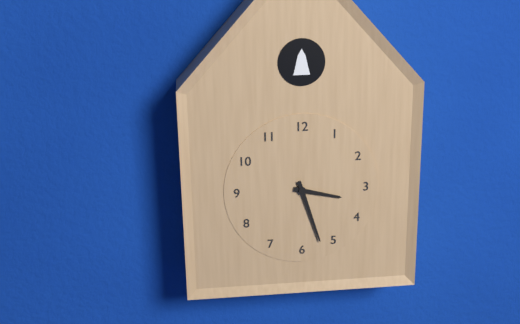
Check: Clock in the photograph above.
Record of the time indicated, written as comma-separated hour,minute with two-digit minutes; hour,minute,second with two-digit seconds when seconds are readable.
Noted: 3,27
